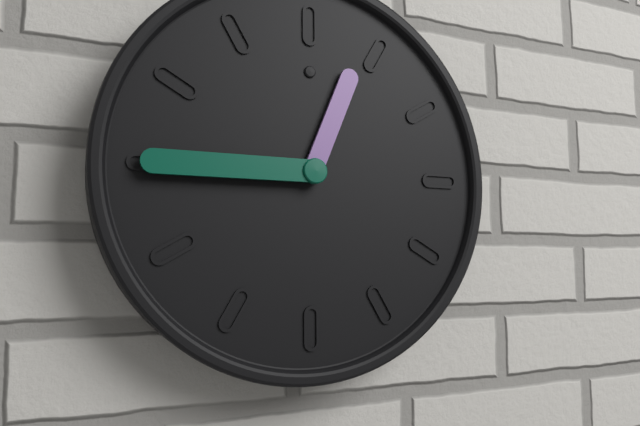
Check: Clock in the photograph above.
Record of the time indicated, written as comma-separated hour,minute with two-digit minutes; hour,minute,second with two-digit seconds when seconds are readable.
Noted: 12,45
